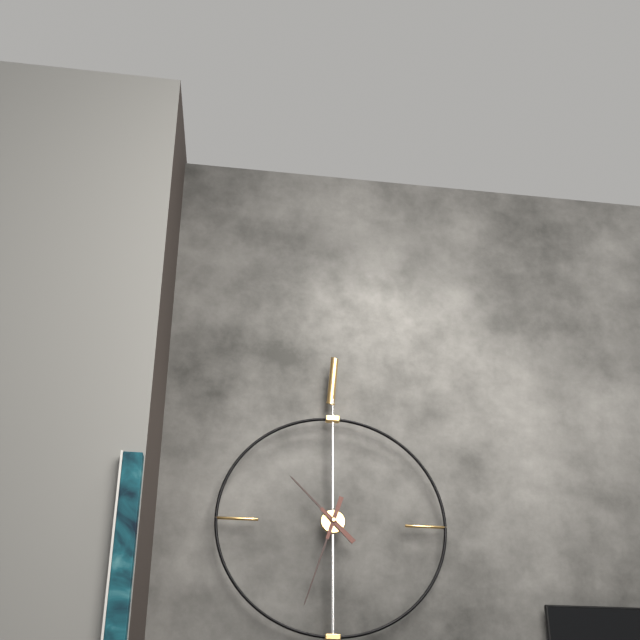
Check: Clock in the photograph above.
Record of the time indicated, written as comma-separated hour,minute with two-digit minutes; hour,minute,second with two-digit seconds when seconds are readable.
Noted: 10,33
